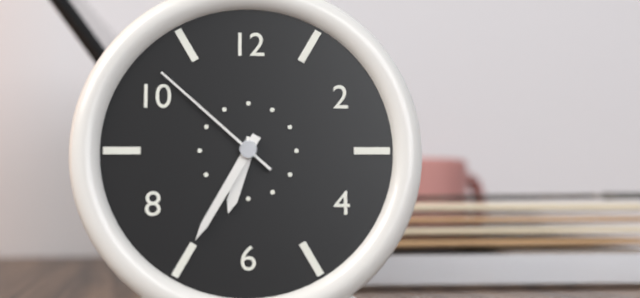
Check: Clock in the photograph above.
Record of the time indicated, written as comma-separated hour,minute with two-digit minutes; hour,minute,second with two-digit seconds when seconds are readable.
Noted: 6,35,52
